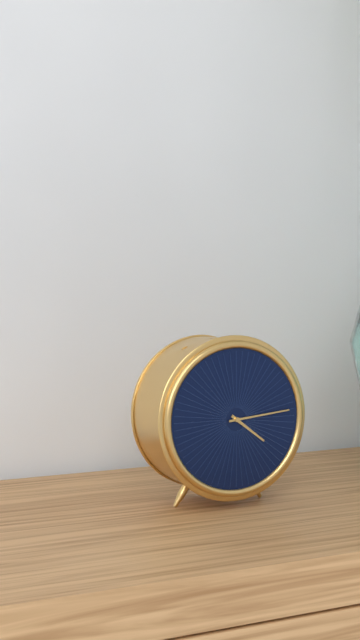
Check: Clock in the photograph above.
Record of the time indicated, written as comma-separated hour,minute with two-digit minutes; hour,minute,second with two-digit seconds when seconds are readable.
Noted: 4,14
